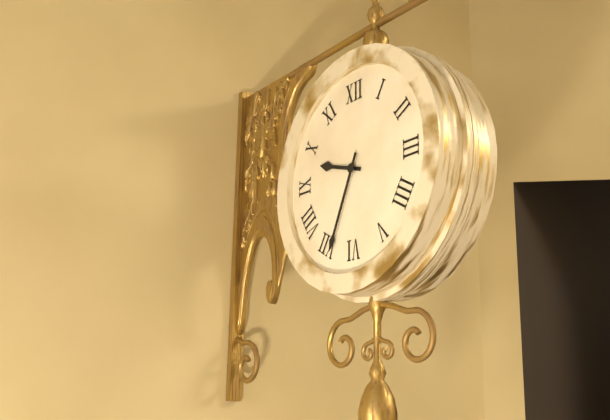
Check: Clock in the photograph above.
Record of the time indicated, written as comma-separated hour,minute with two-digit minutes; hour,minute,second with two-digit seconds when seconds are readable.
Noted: 9,34
